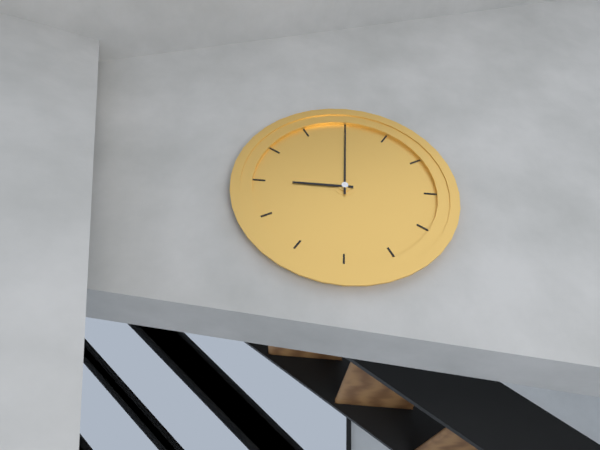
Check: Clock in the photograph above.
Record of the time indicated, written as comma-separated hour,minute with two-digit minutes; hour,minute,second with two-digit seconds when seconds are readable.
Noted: 9,00
